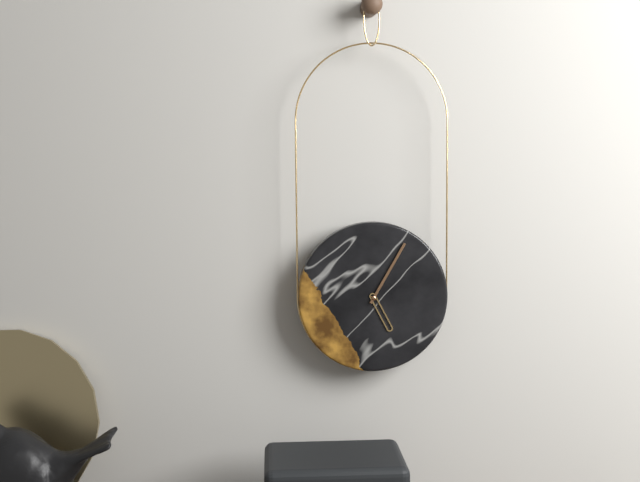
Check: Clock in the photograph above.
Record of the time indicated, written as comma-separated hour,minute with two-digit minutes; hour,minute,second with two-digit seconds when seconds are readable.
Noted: 5,05
